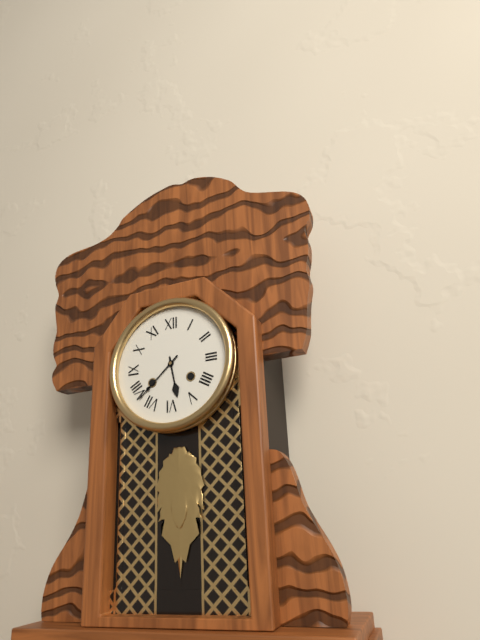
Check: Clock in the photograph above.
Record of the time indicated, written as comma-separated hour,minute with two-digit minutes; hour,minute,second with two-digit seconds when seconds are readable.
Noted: 5,38
